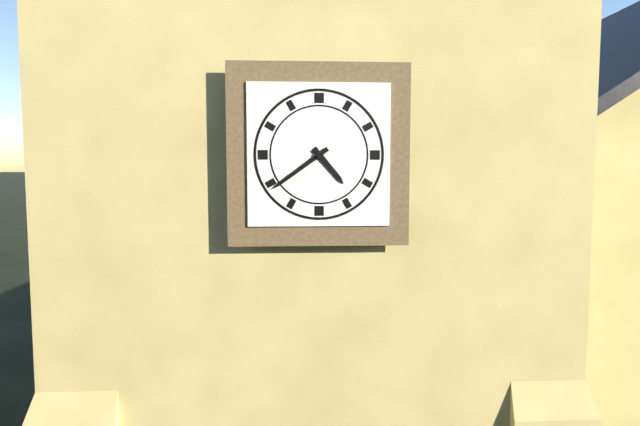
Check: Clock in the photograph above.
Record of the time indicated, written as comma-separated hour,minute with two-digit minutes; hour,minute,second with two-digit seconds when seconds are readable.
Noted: 4,39
